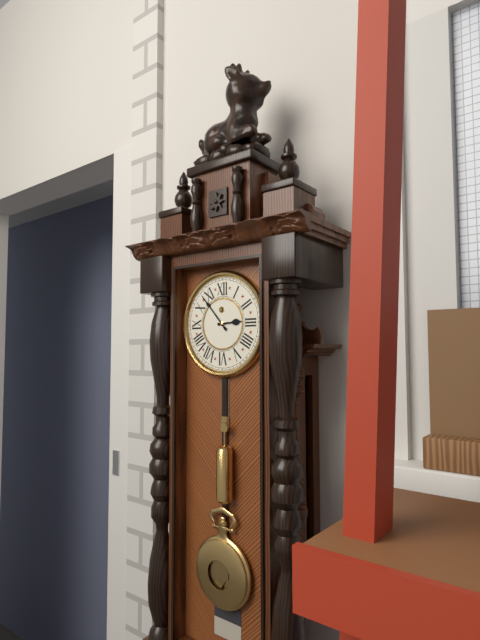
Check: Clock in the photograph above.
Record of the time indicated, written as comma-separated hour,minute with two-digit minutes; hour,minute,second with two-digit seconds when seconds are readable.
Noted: 2,53
